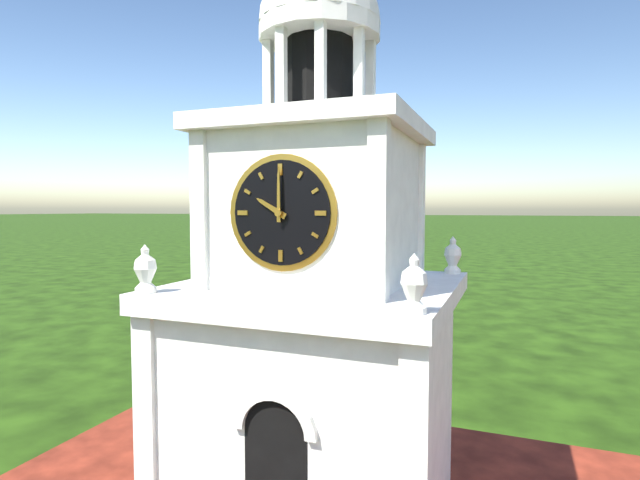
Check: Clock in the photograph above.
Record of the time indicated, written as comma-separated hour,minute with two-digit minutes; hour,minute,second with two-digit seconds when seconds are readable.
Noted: 10,00
